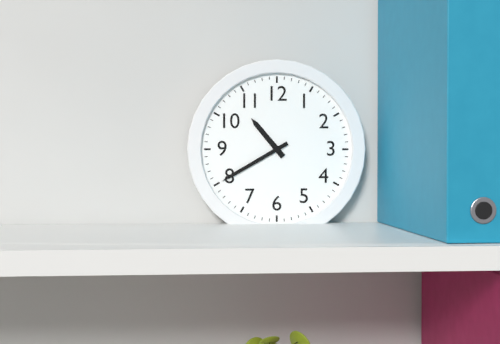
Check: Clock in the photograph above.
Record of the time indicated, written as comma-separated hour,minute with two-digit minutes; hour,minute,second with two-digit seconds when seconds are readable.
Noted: 10,40
